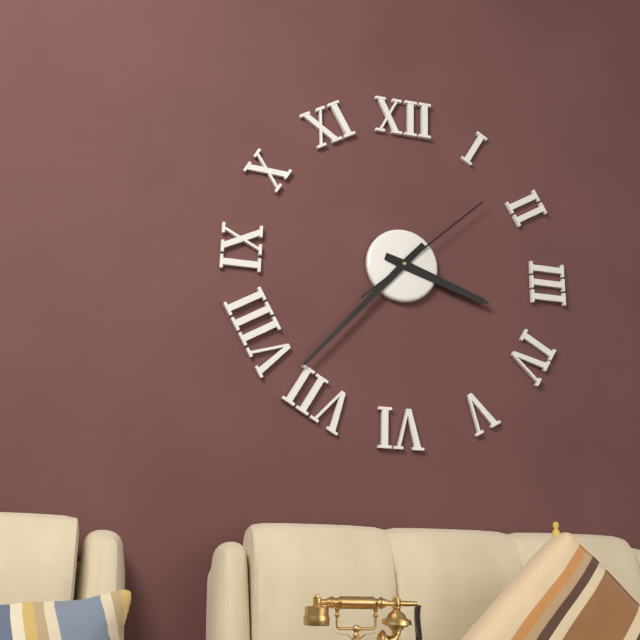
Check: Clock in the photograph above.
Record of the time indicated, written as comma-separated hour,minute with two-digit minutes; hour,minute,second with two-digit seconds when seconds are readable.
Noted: 3,37,08
